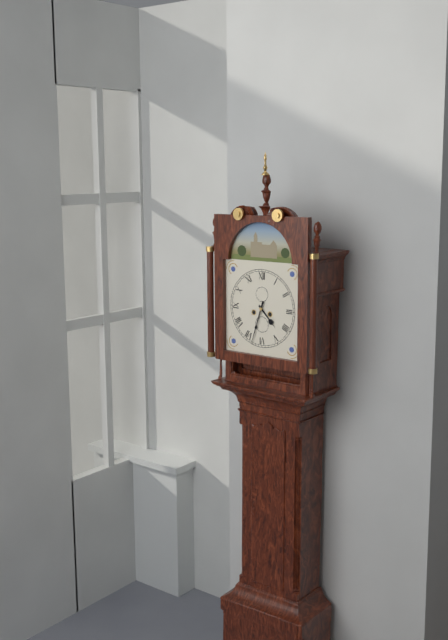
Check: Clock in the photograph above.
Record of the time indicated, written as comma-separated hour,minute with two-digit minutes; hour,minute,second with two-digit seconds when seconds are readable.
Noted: 4,33
